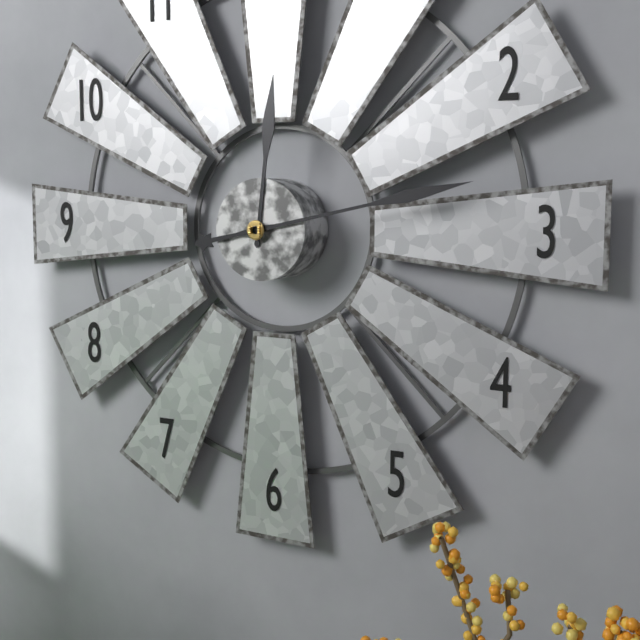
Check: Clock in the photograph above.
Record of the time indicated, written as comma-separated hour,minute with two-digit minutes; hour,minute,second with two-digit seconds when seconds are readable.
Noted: 12,13
